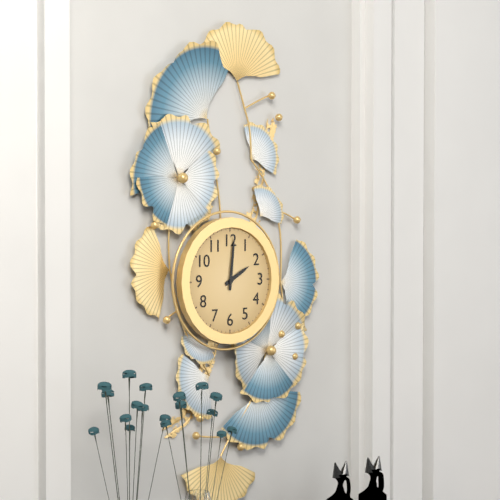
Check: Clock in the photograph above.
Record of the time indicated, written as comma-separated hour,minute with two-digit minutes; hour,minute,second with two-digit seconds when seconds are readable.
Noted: 2,01
